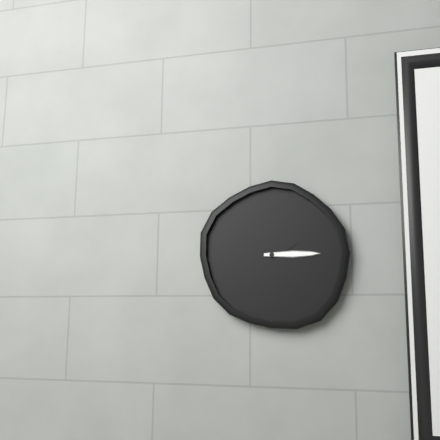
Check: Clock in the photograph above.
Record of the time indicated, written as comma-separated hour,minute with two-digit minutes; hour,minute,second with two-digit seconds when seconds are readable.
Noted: 2,15
